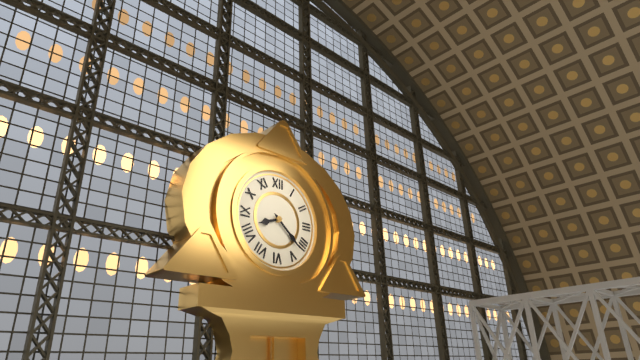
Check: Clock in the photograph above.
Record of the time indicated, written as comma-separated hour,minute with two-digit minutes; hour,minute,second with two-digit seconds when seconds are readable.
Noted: 8,22
